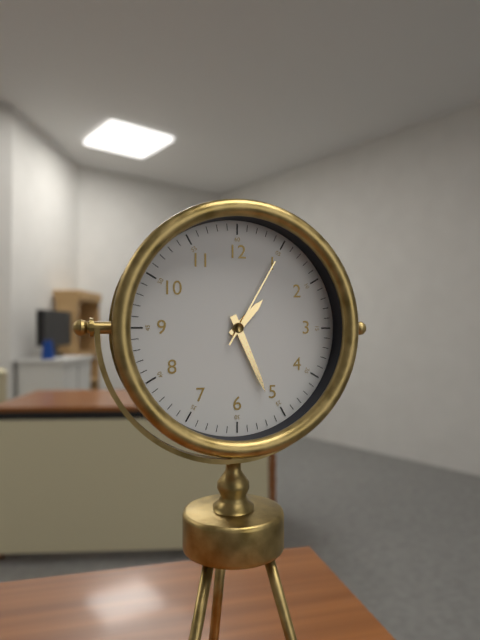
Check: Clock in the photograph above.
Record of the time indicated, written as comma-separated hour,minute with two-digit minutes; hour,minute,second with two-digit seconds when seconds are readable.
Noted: 1,26,05
